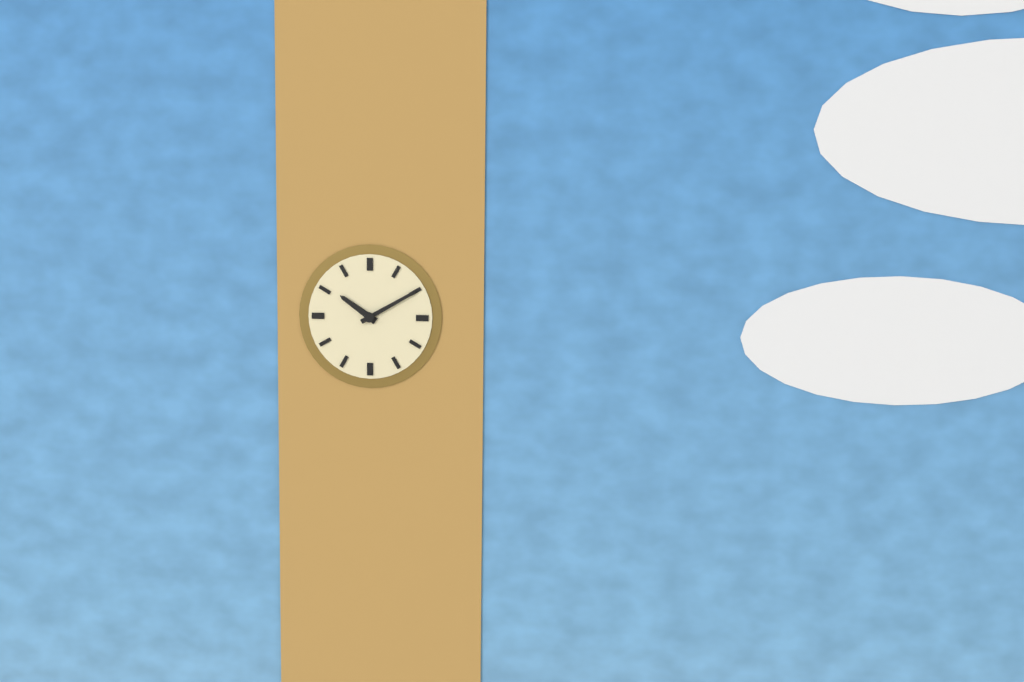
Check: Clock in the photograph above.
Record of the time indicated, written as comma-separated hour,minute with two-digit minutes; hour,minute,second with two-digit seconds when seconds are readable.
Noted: 10,10
